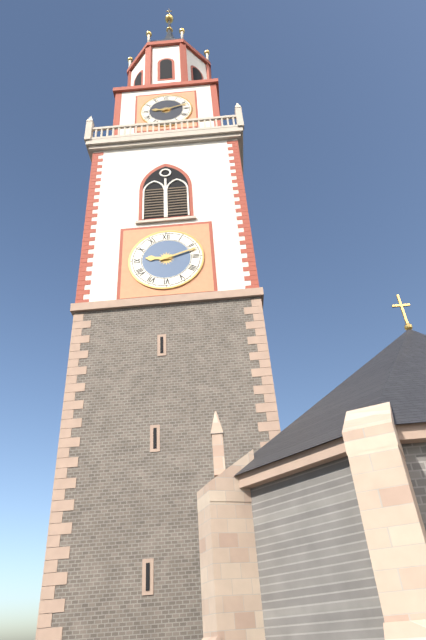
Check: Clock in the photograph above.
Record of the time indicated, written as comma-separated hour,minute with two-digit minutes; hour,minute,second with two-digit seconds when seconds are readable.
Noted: 9,12
